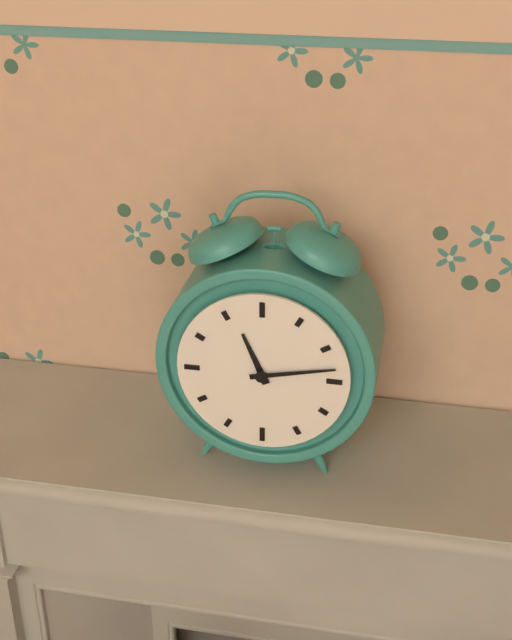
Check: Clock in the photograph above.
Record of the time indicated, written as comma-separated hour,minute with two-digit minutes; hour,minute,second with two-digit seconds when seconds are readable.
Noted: 11,13
